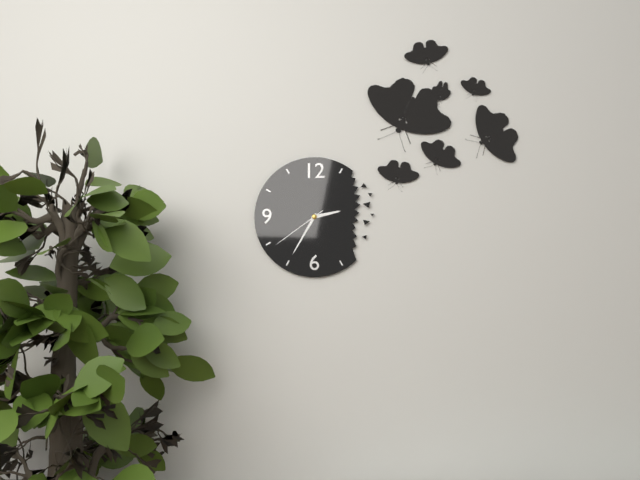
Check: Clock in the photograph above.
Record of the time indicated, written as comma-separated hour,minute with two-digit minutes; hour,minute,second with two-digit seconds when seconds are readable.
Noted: 2,35,39
